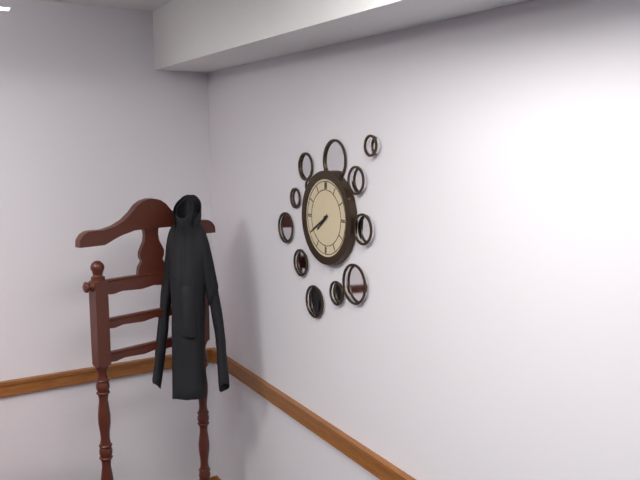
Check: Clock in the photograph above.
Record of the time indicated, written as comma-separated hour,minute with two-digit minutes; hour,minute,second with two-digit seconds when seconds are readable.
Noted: 7,40
